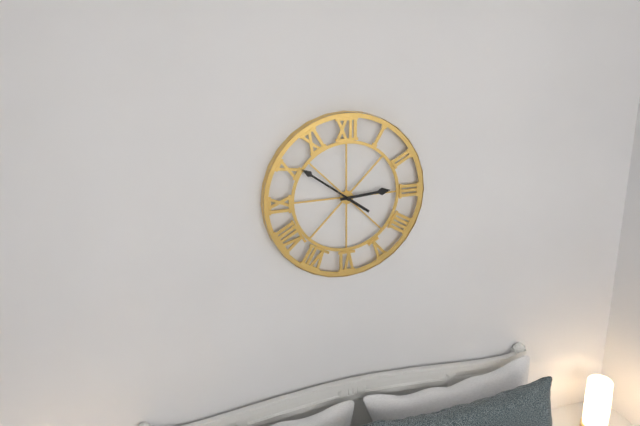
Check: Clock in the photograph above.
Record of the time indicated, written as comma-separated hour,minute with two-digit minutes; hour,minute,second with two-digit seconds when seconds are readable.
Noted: 2,51
